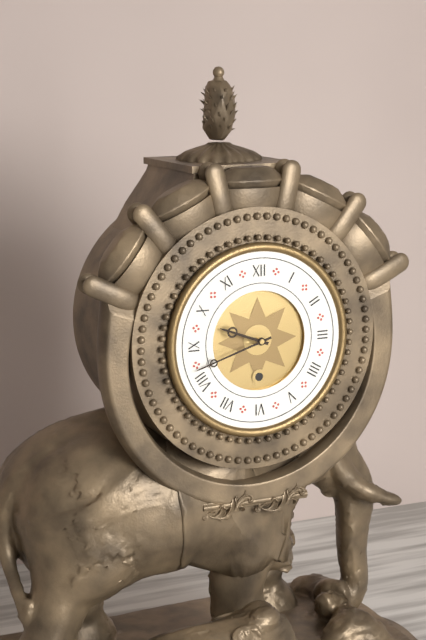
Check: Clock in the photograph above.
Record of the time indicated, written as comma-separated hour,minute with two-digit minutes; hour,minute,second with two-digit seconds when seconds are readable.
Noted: 9,42
